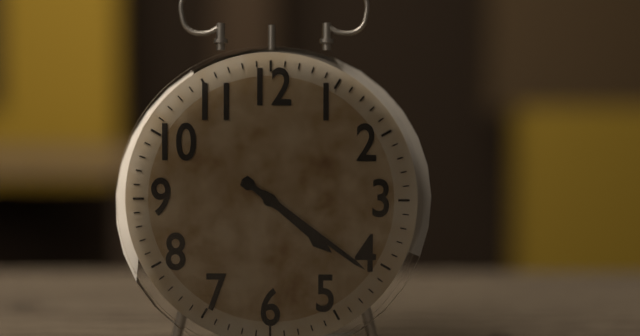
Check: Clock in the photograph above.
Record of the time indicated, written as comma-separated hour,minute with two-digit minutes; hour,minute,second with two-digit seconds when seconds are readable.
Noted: 4,21
